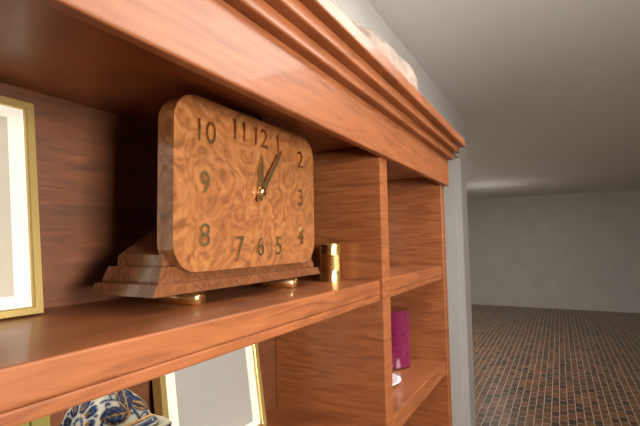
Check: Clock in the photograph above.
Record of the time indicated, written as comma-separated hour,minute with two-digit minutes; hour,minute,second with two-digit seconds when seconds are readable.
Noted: 12,06
